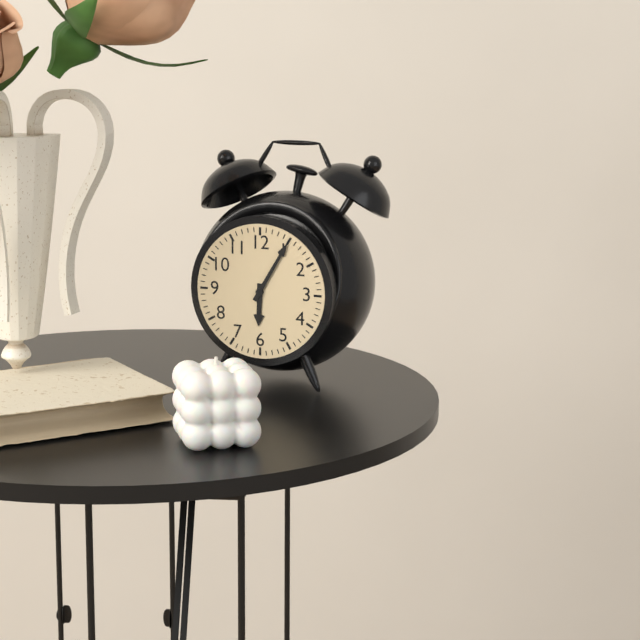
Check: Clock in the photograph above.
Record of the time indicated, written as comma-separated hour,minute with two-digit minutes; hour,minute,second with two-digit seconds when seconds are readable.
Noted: 6,05
